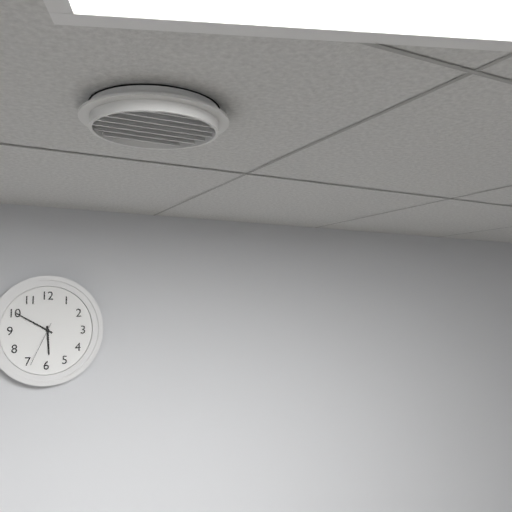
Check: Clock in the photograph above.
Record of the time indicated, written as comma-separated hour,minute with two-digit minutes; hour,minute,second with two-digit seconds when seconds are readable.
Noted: 5,50
